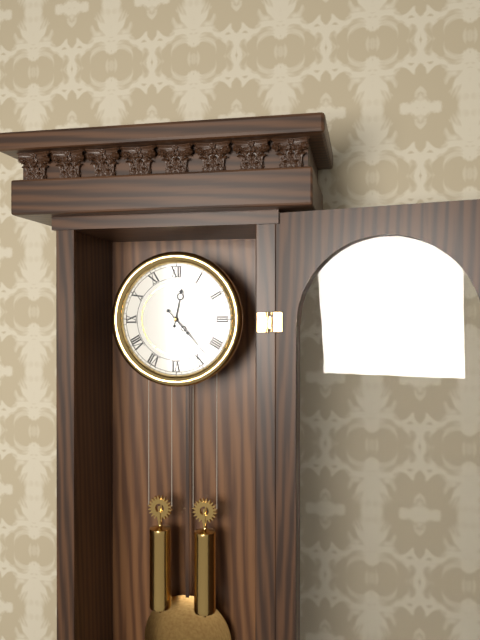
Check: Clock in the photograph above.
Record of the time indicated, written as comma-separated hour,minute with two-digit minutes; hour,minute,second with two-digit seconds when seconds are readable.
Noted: 12,23
